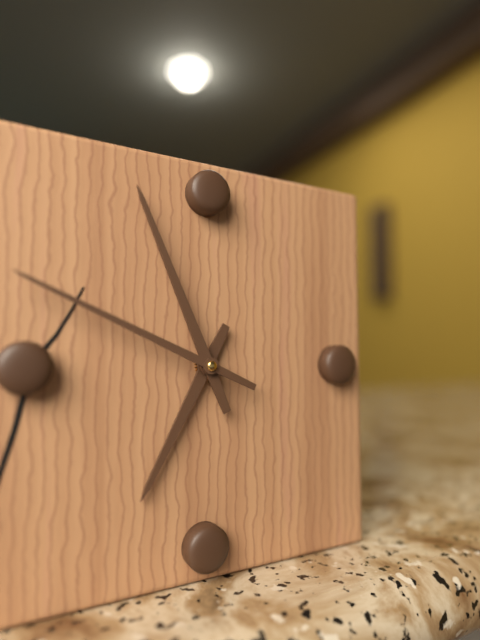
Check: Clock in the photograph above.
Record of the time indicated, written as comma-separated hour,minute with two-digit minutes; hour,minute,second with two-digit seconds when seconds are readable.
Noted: 6,56,49
